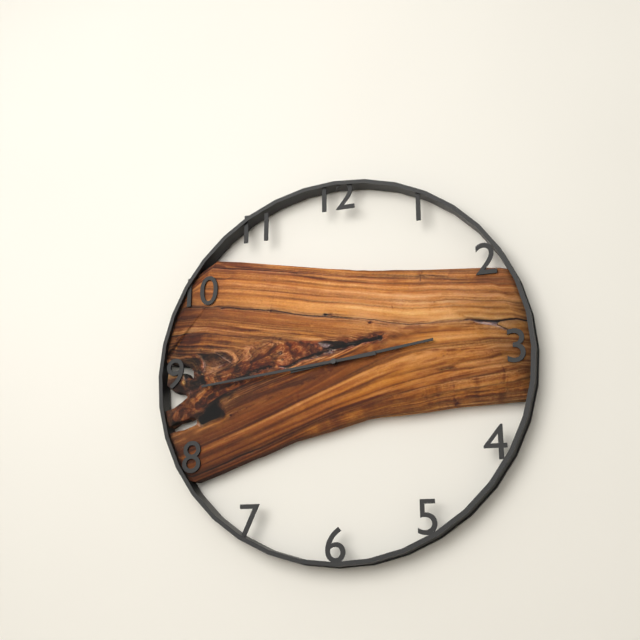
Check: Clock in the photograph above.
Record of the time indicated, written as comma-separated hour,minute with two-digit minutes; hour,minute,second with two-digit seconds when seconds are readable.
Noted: 2,44
